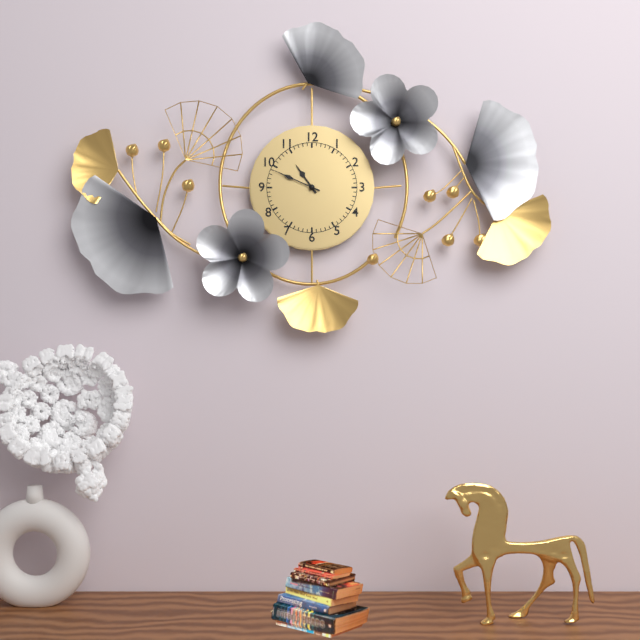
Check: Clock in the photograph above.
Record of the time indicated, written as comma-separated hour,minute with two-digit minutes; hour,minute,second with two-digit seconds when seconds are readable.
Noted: 10,49
